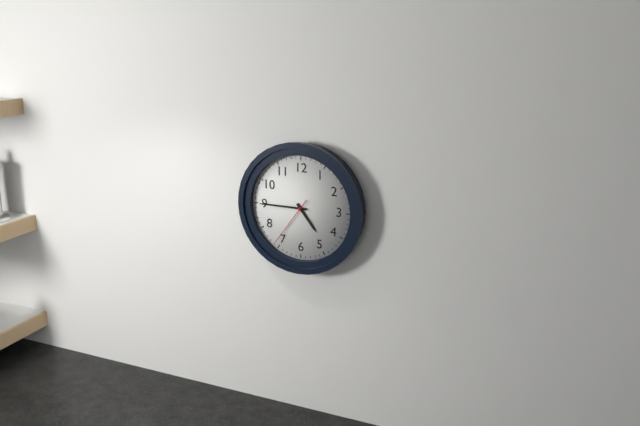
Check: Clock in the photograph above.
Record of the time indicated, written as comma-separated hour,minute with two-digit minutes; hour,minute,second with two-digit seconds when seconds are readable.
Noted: 4,45,36
